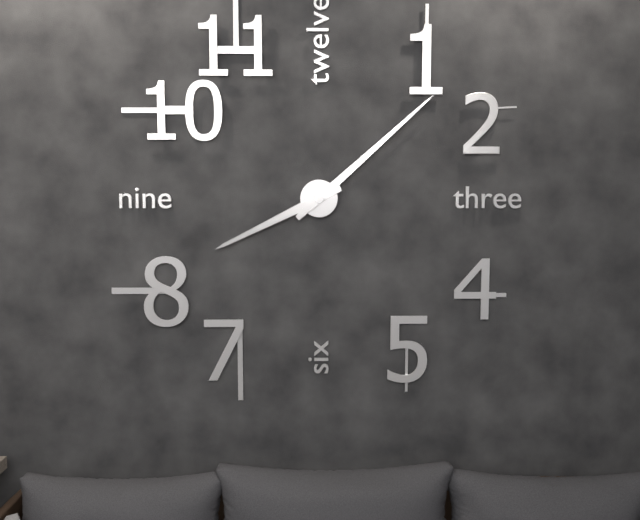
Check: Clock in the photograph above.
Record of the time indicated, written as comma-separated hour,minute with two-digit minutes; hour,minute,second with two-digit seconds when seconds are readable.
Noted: 8,08
